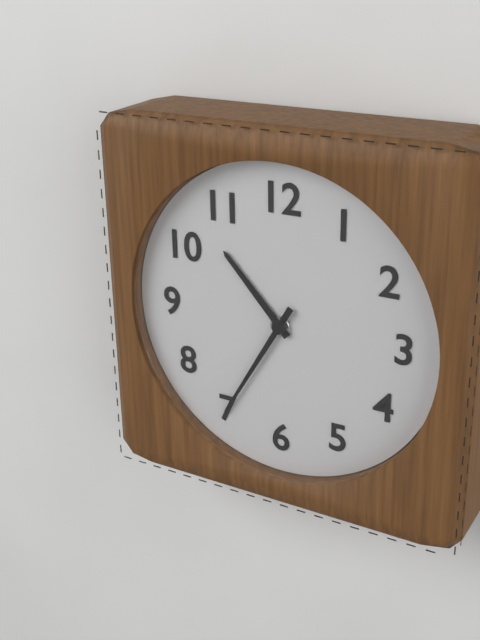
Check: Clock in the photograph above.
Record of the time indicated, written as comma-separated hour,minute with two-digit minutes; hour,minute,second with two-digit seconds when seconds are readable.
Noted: 10,35
